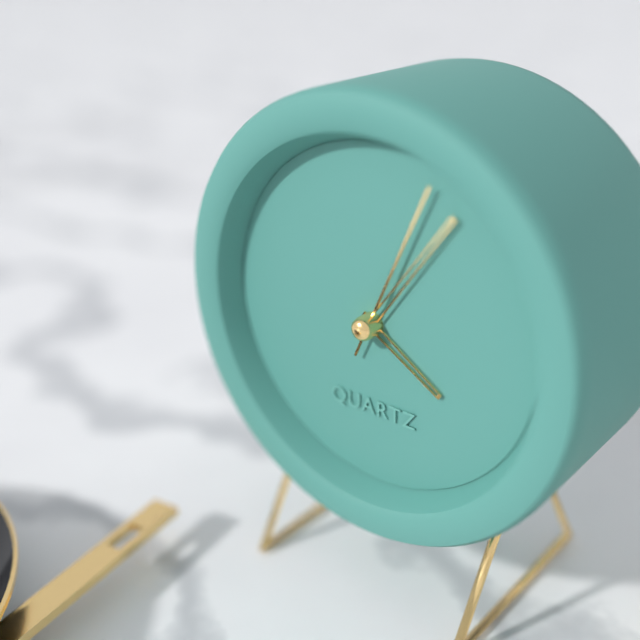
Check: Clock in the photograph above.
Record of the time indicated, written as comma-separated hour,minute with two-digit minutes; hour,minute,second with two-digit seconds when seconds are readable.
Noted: 4,06,04
